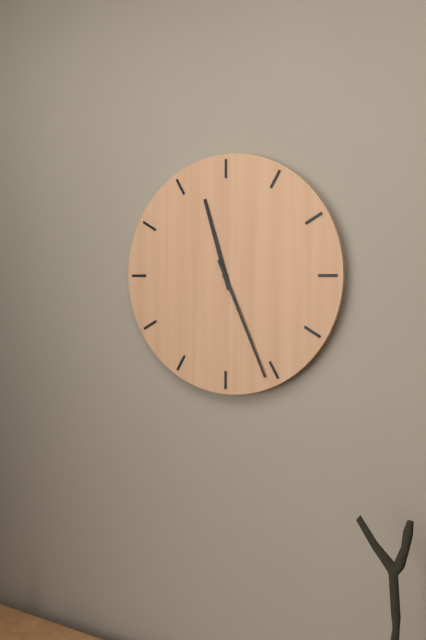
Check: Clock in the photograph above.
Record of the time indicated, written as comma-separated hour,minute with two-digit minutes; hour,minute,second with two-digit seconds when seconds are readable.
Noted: 11,26
